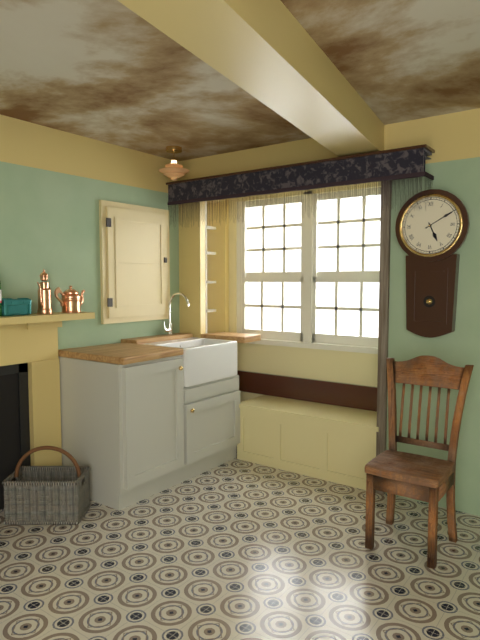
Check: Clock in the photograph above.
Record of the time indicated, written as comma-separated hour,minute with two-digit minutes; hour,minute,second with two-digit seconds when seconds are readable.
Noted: 5,10
